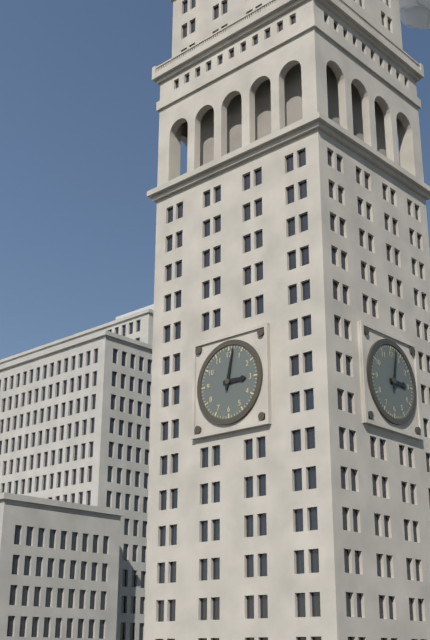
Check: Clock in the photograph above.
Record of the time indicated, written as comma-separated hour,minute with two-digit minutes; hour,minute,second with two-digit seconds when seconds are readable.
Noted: 3,02
